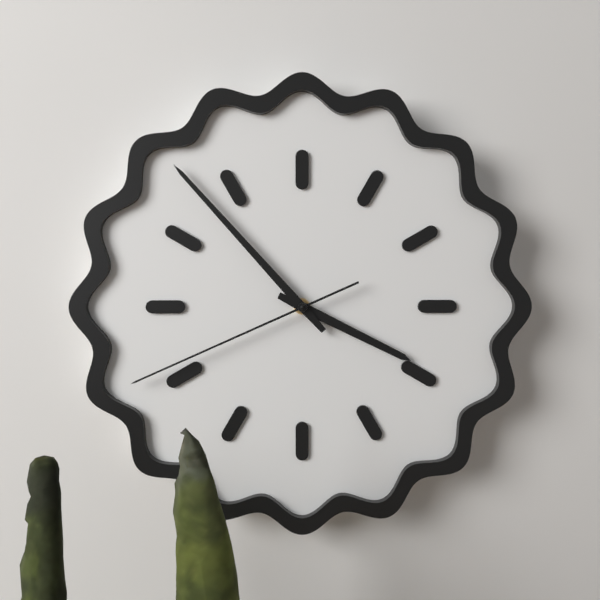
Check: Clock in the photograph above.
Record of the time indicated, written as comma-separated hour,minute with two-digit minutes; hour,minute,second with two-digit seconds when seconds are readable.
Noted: 3,53,41
